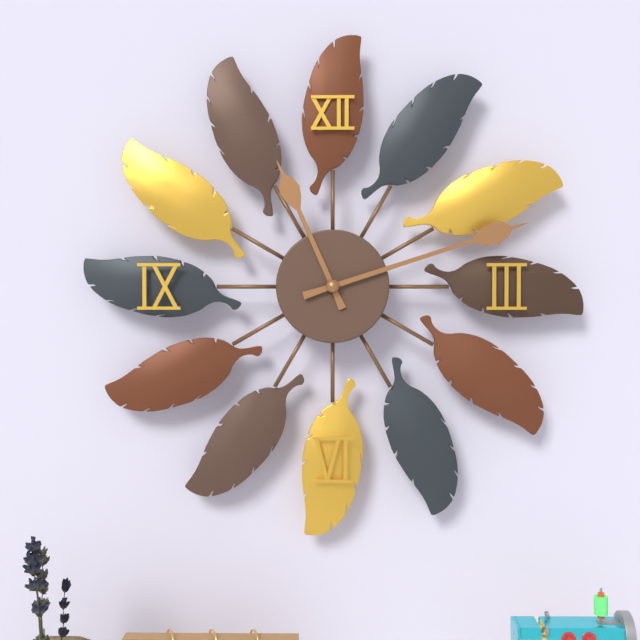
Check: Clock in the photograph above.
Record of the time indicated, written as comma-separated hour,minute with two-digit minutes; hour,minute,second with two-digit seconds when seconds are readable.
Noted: 11,12
